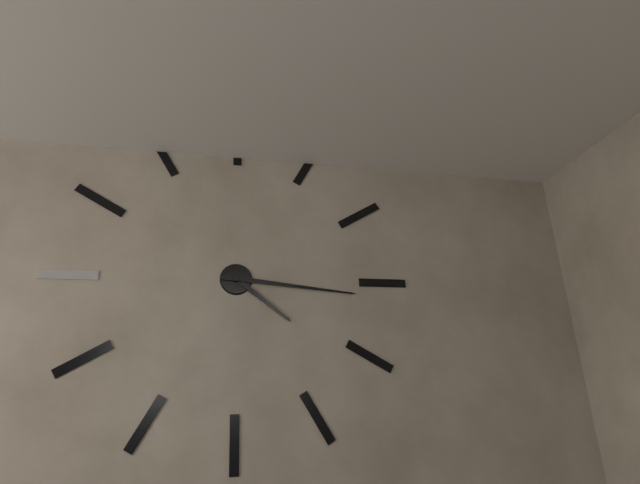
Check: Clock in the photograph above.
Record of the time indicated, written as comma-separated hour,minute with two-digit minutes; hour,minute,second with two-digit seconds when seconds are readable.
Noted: 4,16
